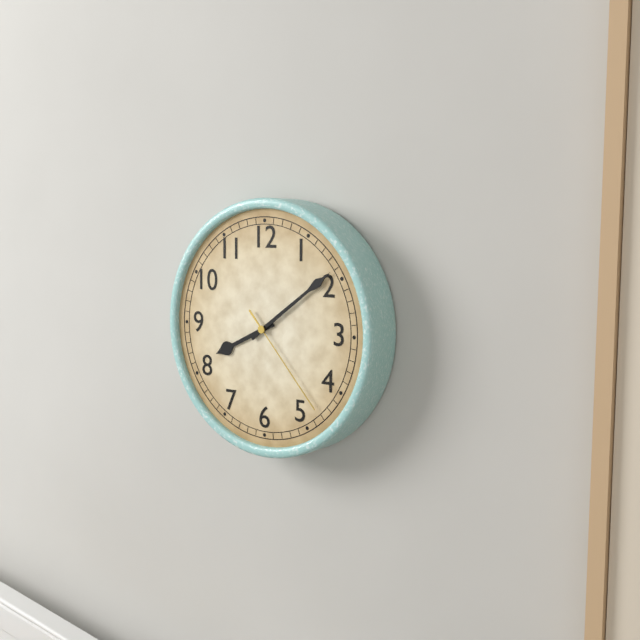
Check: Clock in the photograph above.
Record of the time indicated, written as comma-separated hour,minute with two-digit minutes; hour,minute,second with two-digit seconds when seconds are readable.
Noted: 8,09,23
